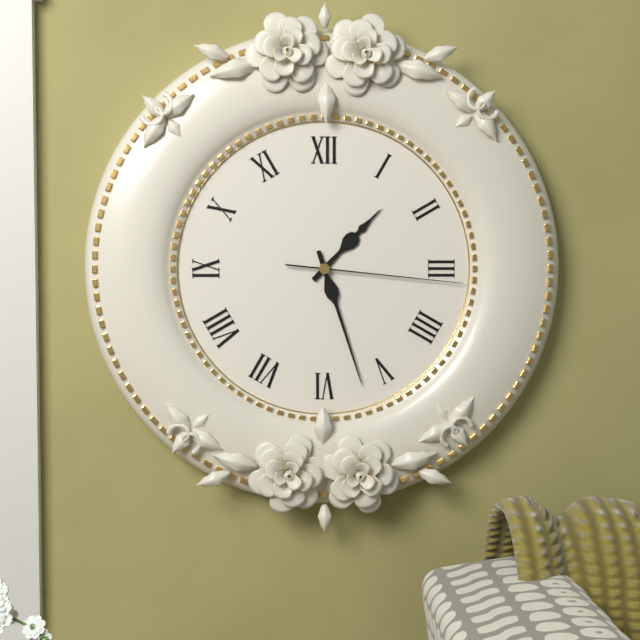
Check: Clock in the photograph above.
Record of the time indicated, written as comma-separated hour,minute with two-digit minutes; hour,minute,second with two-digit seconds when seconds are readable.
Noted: 1,27,16
